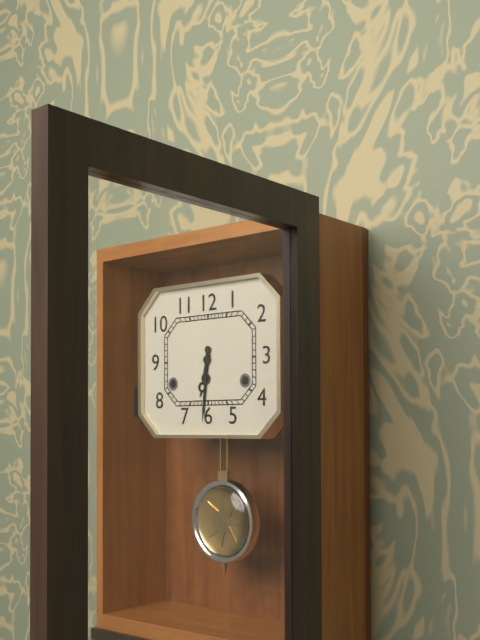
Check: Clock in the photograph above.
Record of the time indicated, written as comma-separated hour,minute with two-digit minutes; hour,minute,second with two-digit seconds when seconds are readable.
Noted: 6,31
